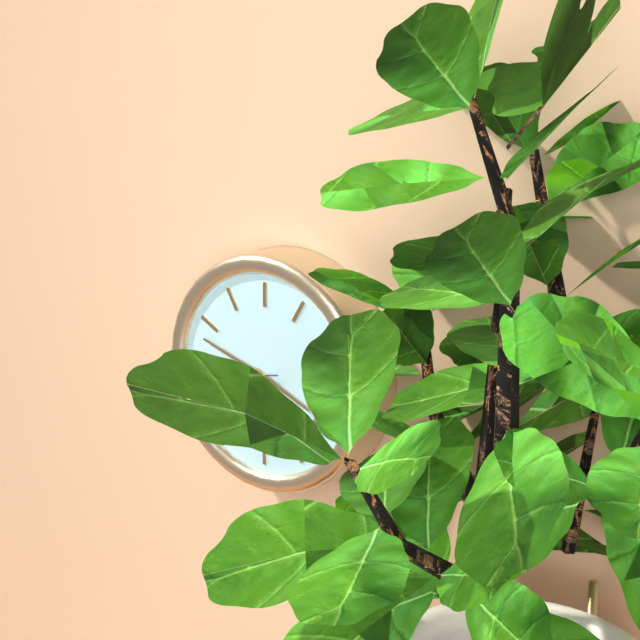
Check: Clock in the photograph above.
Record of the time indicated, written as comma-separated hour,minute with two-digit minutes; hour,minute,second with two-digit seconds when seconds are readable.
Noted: 3,48
